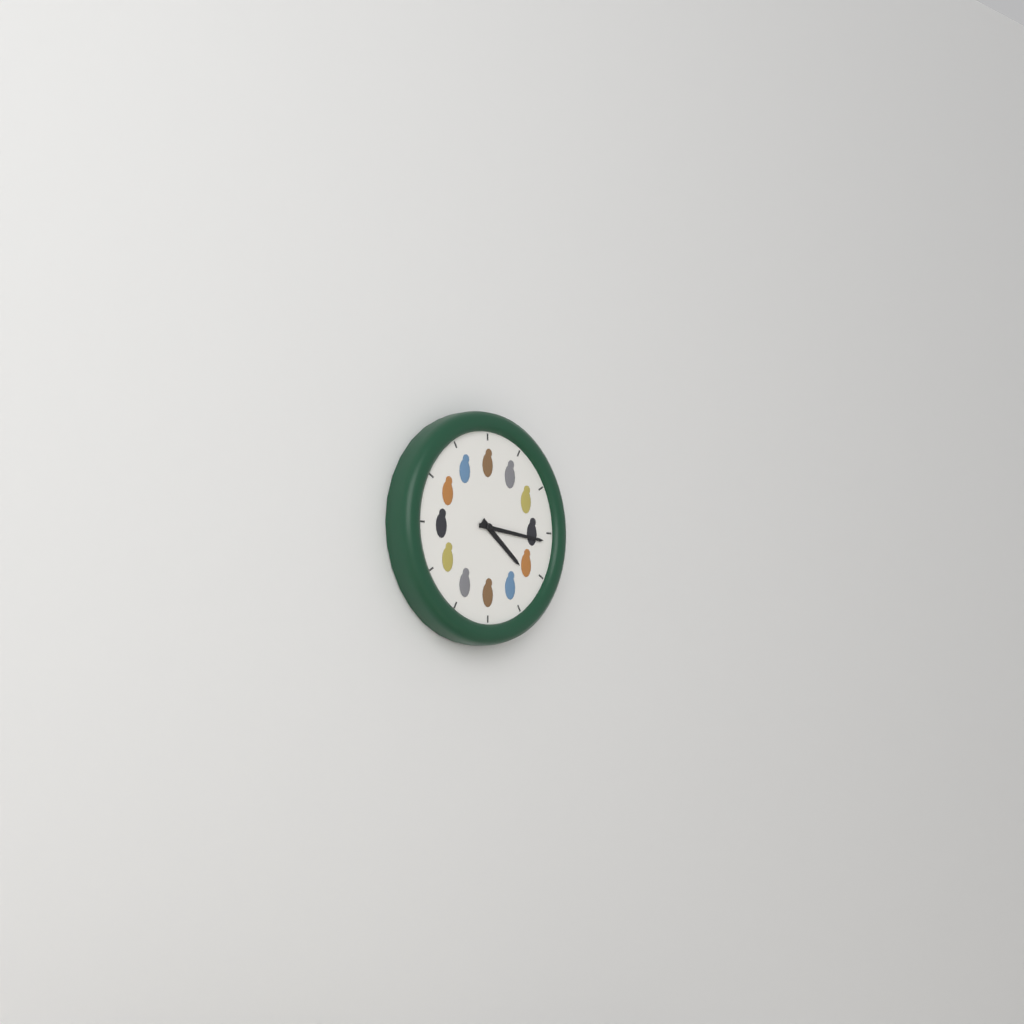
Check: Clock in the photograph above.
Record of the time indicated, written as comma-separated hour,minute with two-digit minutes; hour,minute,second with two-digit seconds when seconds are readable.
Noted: 4,16
